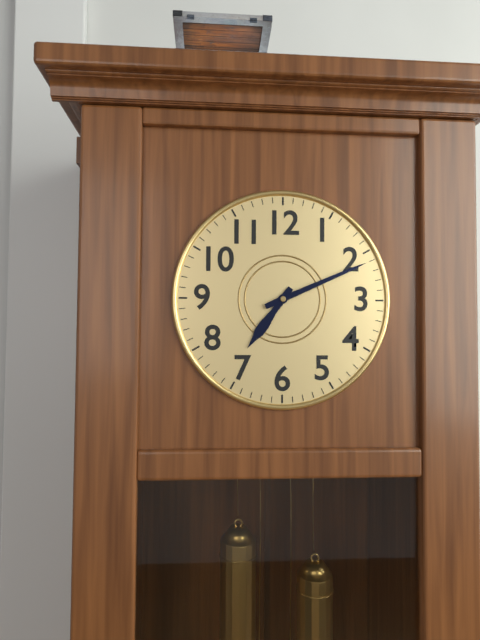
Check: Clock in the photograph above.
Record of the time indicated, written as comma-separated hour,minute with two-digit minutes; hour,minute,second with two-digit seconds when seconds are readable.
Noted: 7,11
